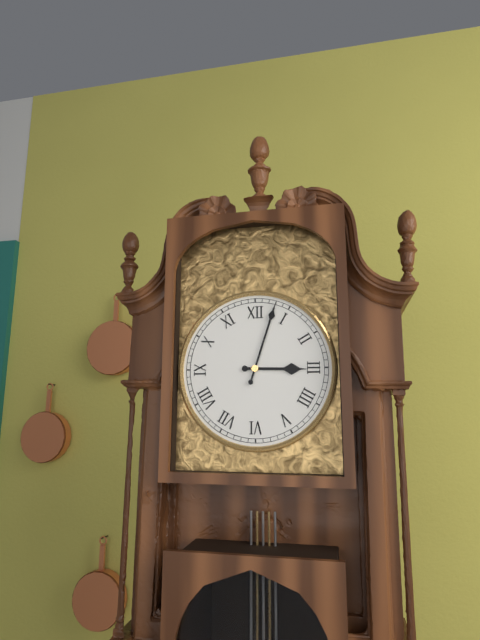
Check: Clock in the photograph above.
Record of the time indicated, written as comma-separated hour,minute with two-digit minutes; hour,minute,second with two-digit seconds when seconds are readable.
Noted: 3,03
